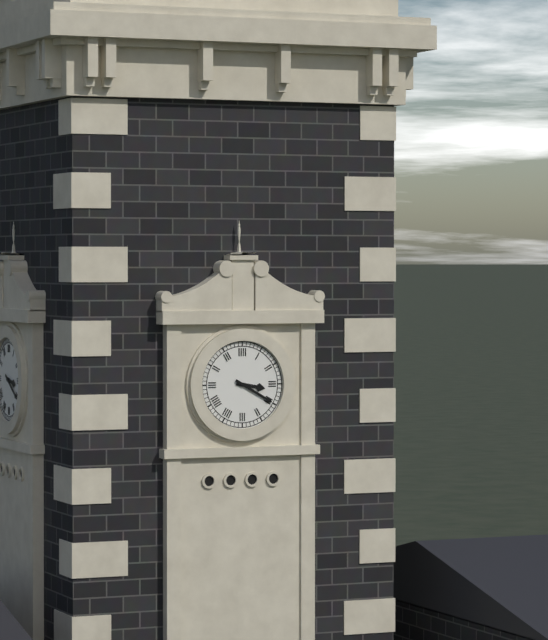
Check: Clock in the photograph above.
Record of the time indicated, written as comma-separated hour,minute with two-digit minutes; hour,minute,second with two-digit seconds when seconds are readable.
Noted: 3,20
